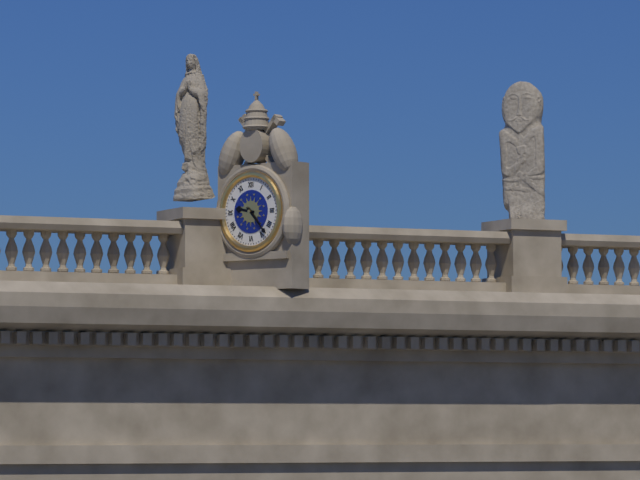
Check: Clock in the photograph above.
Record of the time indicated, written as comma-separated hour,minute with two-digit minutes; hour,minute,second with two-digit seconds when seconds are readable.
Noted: 9,23
